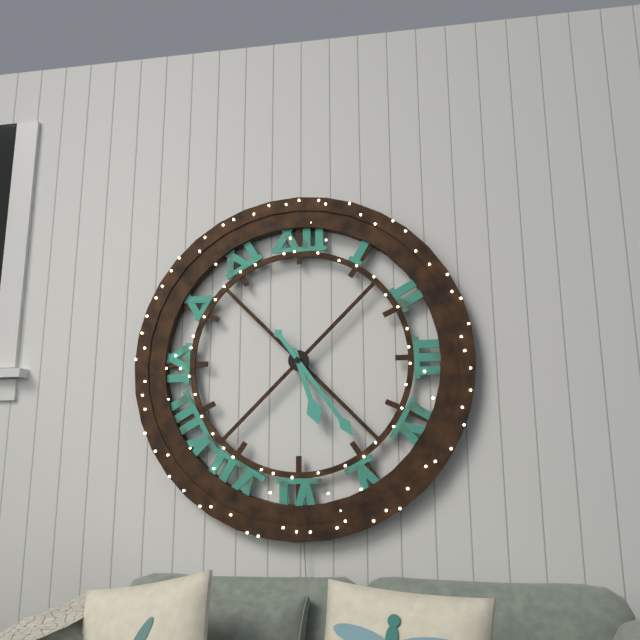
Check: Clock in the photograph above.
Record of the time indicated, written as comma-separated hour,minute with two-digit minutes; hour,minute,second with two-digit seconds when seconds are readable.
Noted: 5,24
